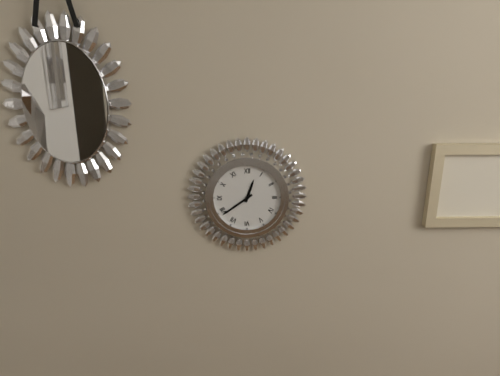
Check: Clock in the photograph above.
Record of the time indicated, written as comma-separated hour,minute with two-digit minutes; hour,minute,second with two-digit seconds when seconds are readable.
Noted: 12,39
